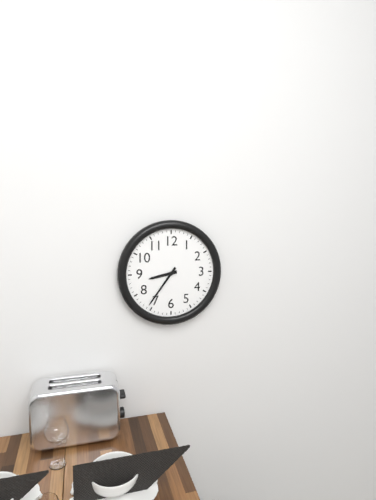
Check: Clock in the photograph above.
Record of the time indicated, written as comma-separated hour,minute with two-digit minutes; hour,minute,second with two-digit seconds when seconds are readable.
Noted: 8,36
